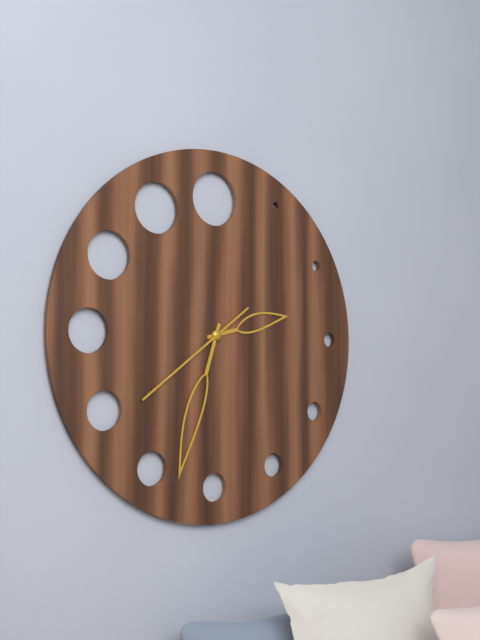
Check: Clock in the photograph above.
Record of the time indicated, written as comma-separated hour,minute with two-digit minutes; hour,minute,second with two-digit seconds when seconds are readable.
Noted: 2,33,39
